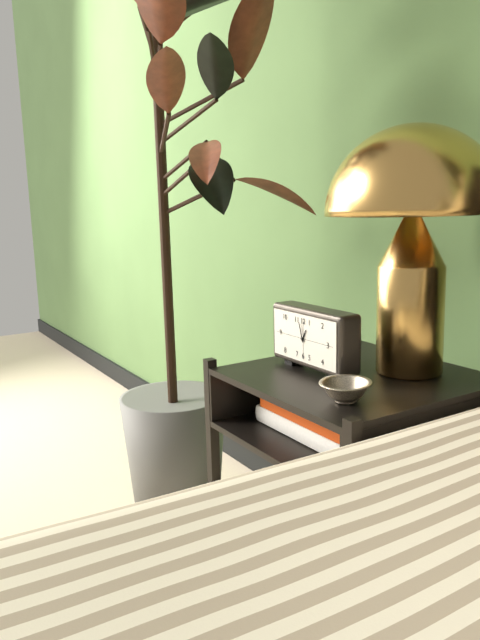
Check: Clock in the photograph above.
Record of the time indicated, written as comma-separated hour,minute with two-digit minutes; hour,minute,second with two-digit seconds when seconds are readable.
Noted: 12,57
